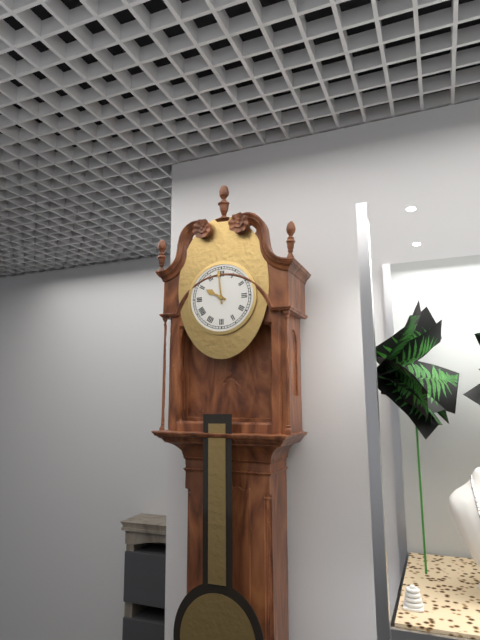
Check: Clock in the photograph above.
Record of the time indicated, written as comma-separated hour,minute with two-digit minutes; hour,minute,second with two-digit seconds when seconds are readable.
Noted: 9,59
